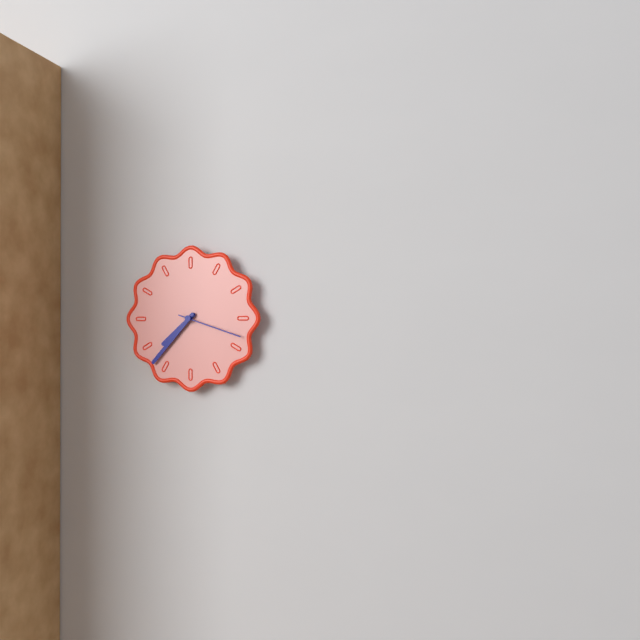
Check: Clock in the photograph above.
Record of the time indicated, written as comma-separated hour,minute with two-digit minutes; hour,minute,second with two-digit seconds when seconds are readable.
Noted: 7,37,18
